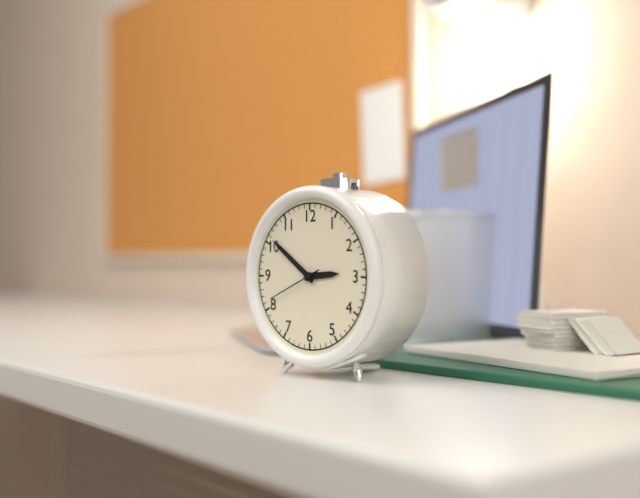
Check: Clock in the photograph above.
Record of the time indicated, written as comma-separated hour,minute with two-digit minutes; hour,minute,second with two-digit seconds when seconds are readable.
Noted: 2,51,41
